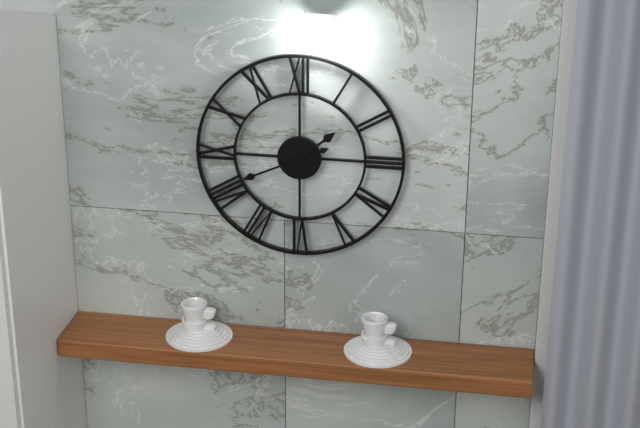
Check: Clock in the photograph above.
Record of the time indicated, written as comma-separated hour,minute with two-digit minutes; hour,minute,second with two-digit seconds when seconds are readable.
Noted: 1,41
